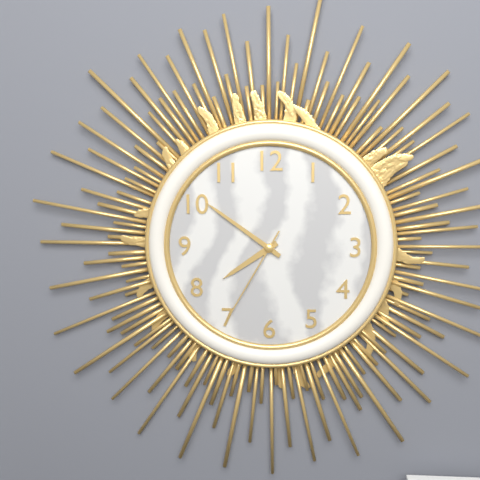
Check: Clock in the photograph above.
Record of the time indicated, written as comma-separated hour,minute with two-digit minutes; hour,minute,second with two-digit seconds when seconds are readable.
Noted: 7,51,35
